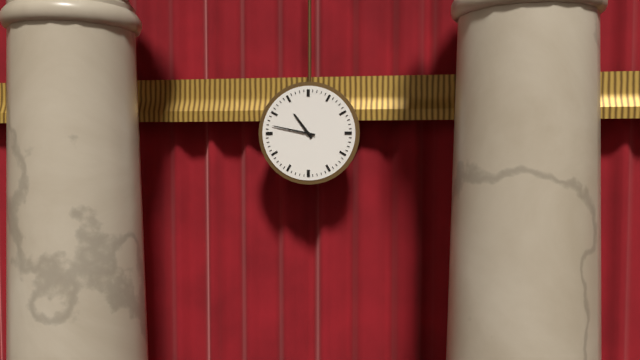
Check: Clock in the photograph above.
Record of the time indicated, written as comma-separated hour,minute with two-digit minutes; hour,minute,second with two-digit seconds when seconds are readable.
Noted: 10,47
